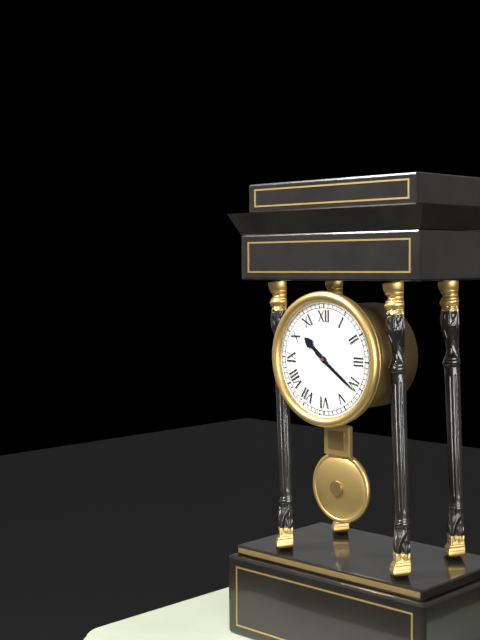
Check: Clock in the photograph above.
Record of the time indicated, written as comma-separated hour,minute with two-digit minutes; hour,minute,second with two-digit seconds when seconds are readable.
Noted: 10,21
